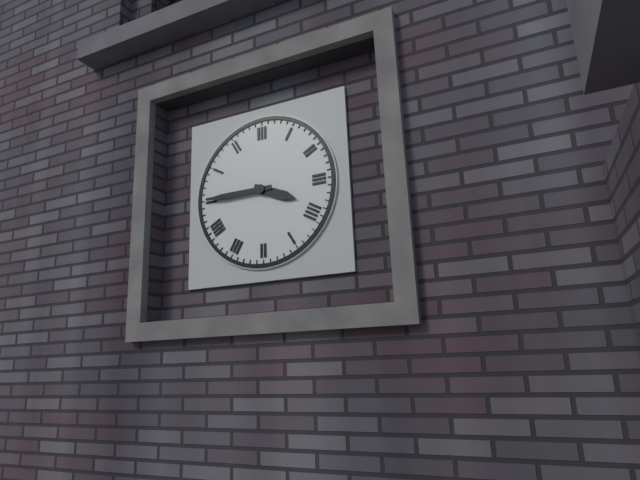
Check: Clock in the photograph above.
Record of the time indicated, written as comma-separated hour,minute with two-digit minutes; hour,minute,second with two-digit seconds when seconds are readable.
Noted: 3,45
